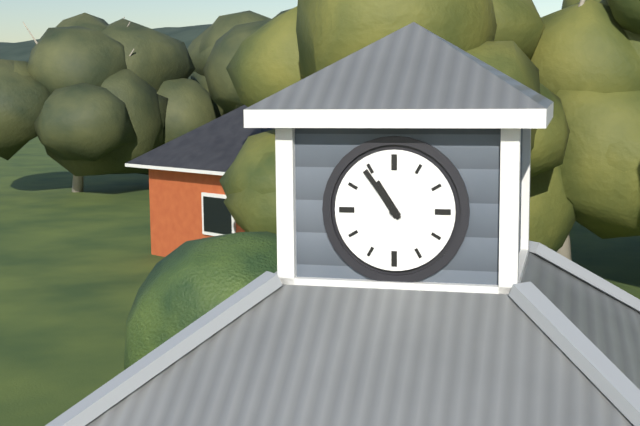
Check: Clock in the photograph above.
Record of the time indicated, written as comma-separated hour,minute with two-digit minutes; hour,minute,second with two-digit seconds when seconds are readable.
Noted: 10,54
